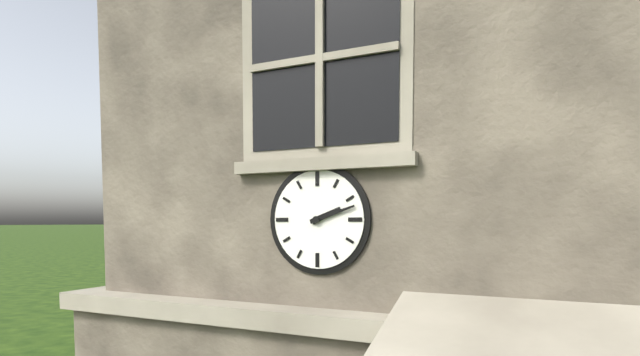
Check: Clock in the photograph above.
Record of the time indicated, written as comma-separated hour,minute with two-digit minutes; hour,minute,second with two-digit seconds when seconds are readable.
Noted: 2,12
